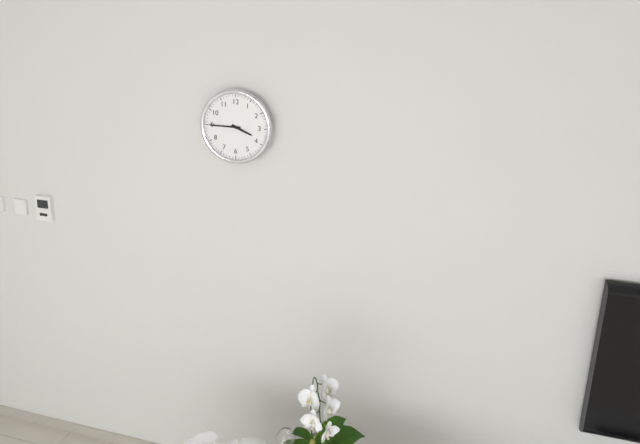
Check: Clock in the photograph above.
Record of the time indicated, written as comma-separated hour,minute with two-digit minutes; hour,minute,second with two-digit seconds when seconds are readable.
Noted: 3,45
